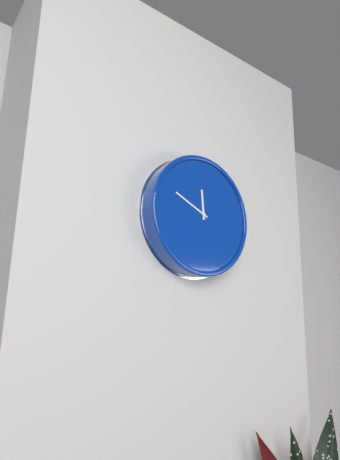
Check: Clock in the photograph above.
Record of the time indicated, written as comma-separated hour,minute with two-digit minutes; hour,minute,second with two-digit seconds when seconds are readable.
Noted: 11,49
